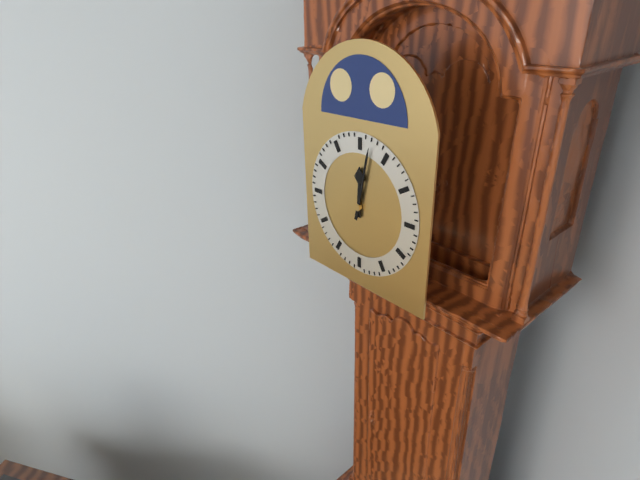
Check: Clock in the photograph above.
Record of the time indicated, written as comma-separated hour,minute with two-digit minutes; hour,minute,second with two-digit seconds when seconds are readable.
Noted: 12,02
